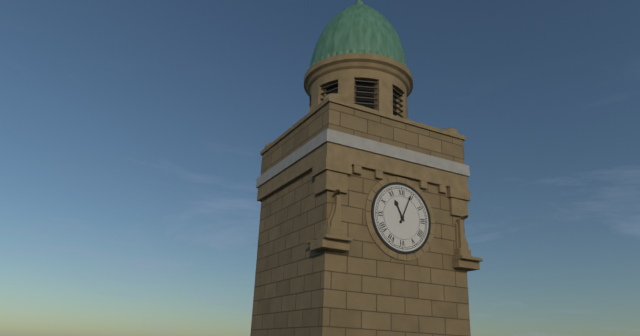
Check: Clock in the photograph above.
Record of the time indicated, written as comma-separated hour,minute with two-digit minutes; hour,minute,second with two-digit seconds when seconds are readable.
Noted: 11,04
